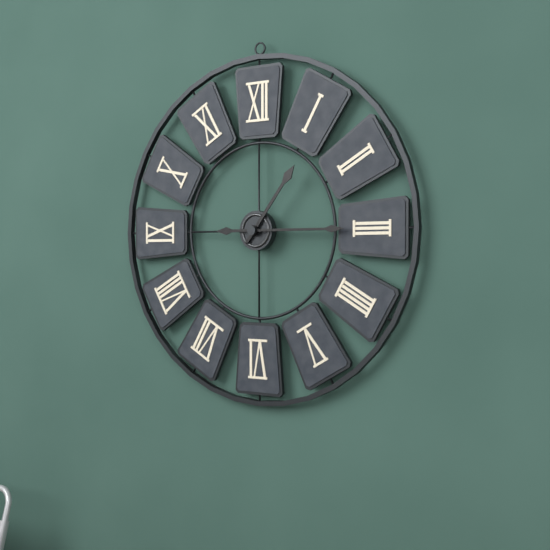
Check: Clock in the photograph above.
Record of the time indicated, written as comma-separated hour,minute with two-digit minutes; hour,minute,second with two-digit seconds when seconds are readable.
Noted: 1,15
